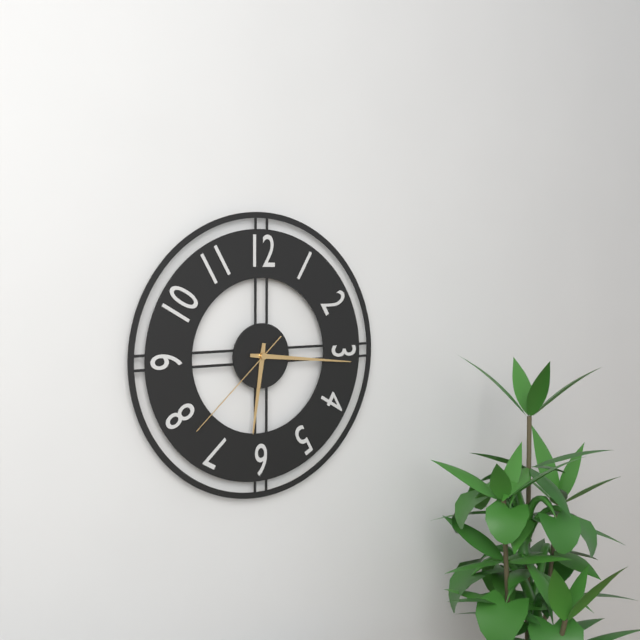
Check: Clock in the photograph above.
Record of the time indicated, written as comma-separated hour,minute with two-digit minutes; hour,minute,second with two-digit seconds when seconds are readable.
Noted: 6,16,38
